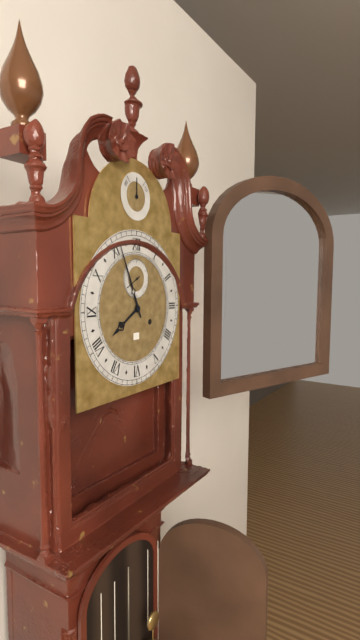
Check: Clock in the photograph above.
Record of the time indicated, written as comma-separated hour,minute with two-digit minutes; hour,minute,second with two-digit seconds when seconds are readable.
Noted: 7,56
